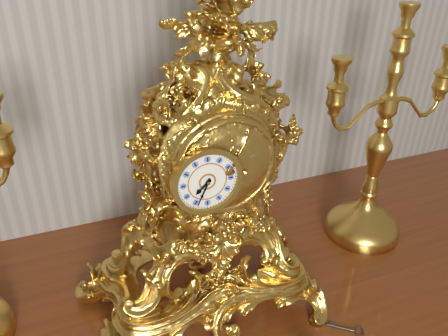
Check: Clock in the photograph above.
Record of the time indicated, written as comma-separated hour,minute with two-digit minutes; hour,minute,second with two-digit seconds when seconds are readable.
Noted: 7,34
